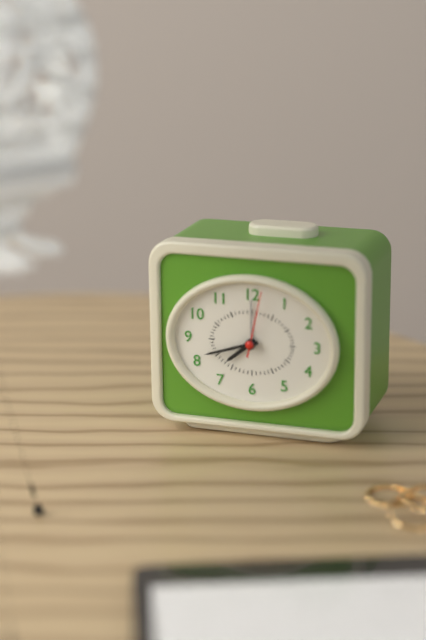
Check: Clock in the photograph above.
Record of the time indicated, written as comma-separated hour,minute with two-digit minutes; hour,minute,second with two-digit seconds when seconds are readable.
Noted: 7,42
